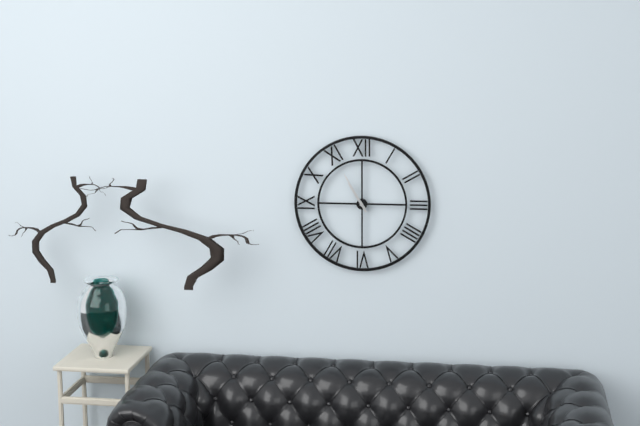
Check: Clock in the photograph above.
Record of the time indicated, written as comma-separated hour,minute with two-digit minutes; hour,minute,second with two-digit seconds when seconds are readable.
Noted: 10,55
